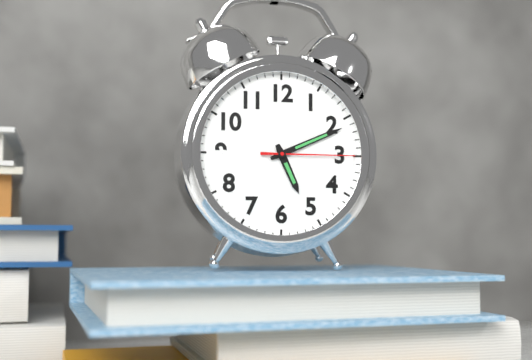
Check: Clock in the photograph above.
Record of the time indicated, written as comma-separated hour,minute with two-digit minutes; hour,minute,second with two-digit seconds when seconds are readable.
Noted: 5,11,15
